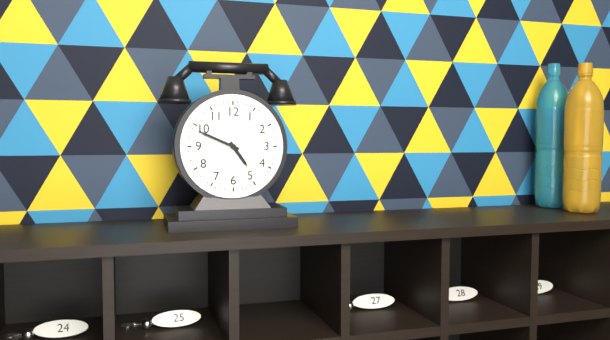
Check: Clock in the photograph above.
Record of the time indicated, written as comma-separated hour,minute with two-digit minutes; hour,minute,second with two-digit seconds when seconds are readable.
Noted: 4,49
